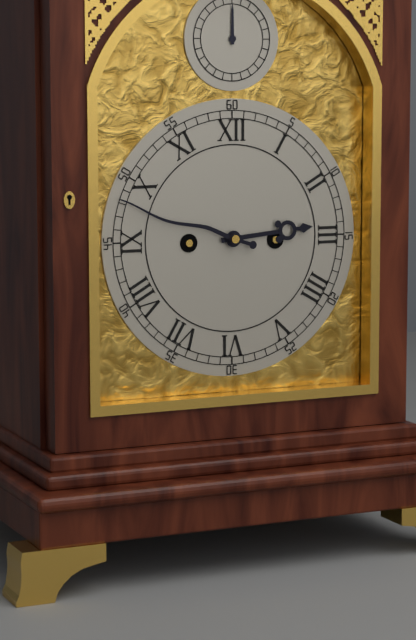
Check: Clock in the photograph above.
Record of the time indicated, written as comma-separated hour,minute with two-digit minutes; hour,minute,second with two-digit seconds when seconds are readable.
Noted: 2,48
